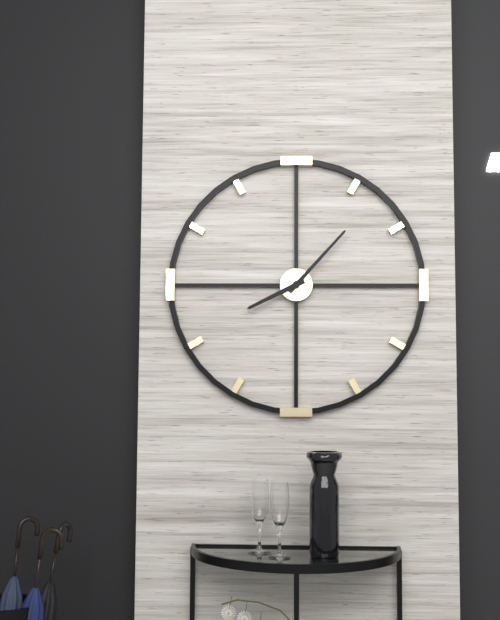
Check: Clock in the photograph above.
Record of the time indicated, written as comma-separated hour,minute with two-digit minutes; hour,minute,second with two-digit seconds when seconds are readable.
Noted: 8,07
